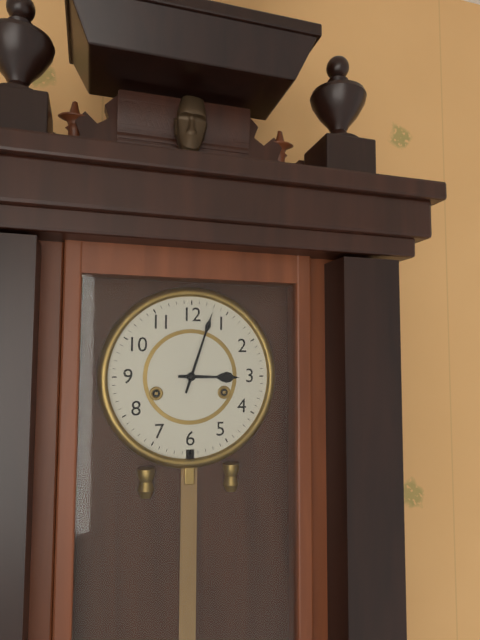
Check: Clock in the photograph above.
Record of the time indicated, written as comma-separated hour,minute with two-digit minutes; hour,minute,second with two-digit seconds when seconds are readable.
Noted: 3,03
